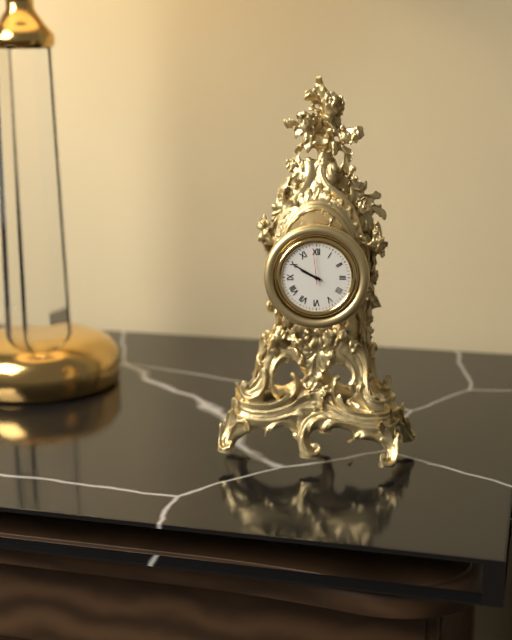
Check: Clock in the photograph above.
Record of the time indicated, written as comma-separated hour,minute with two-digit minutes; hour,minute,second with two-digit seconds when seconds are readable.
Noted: 9,50
